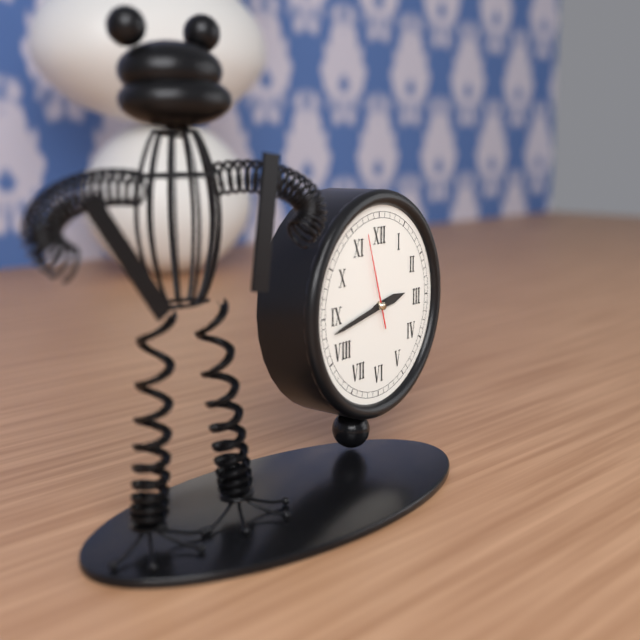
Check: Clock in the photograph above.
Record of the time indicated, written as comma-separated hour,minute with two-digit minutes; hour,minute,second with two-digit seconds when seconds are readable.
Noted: 2,43,57
